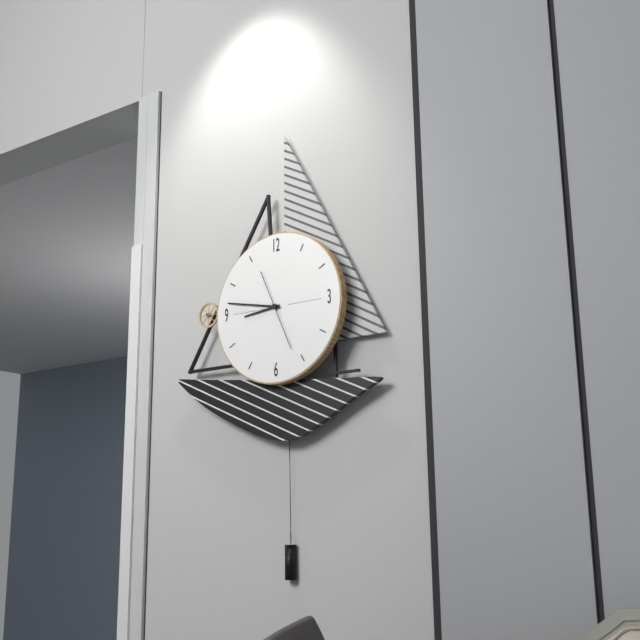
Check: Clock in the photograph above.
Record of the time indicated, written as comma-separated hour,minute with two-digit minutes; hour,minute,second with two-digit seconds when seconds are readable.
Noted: 8,47,26
